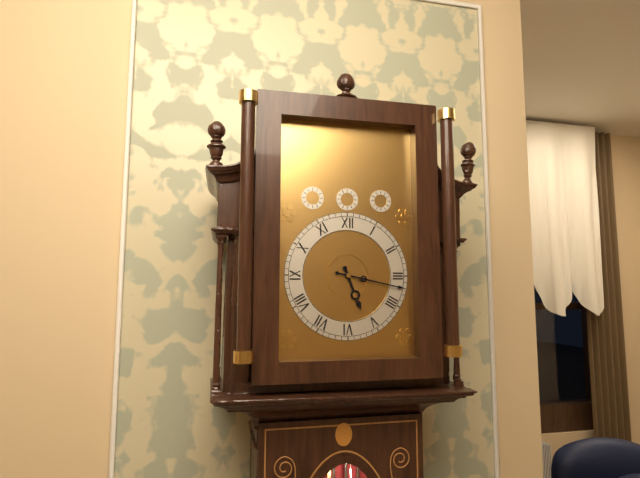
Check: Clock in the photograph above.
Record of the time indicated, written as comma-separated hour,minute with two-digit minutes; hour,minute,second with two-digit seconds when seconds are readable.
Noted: 5,17
